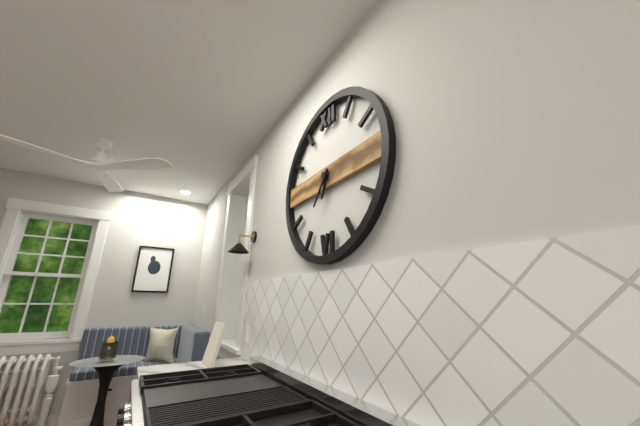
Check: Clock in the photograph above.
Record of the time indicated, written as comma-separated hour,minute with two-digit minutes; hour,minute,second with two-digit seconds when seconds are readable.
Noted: 6,36
